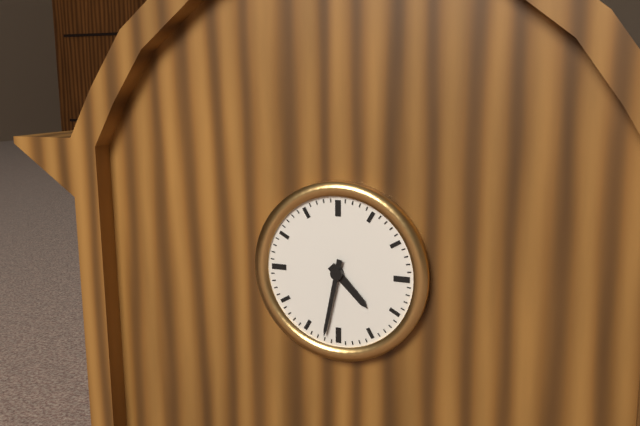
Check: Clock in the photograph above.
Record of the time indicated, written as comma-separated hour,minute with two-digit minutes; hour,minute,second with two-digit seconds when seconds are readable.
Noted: 4,32
